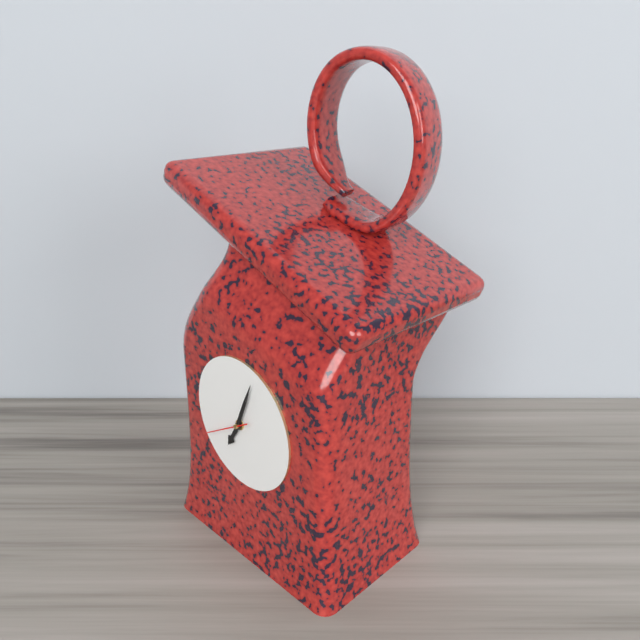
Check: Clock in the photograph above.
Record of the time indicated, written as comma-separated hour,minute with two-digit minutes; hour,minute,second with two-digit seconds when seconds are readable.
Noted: 7,04
